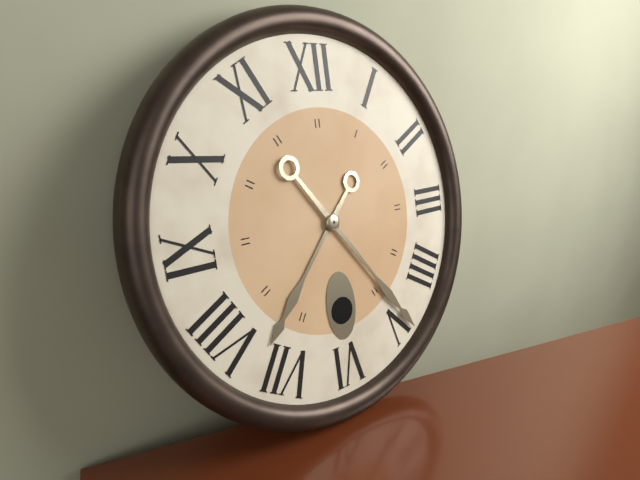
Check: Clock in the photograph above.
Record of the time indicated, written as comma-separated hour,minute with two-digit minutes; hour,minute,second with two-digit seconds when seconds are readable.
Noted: 7,24
